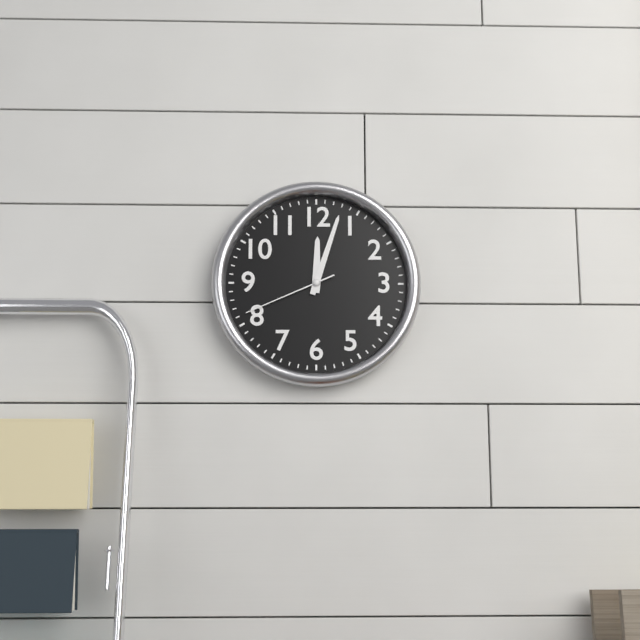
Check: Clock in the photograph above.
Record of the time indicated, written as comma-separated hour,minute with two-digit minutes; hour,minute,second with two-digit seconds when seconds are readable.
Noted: 12,03,41
